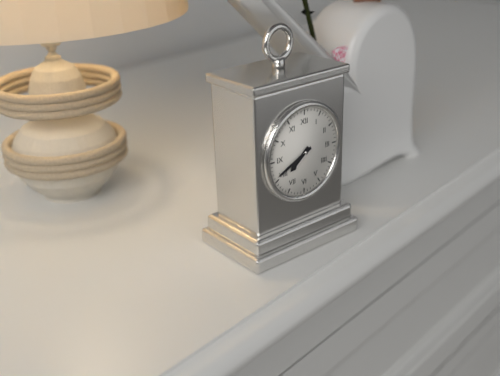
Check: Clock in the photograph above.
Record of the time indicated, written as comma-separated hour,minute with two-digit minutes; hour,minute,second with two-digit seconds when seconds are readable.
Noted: 7,41
